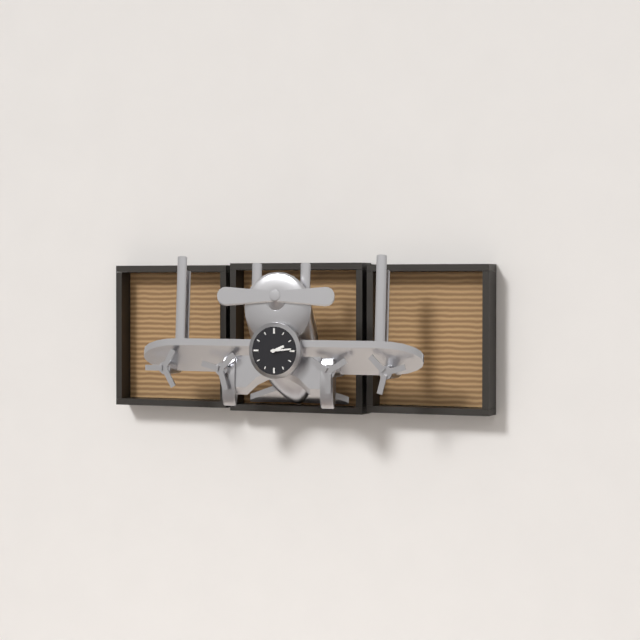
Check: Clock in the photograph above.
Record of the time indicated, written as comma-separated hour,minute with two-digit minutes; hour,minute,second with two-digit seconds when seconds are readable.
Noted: 2,14
